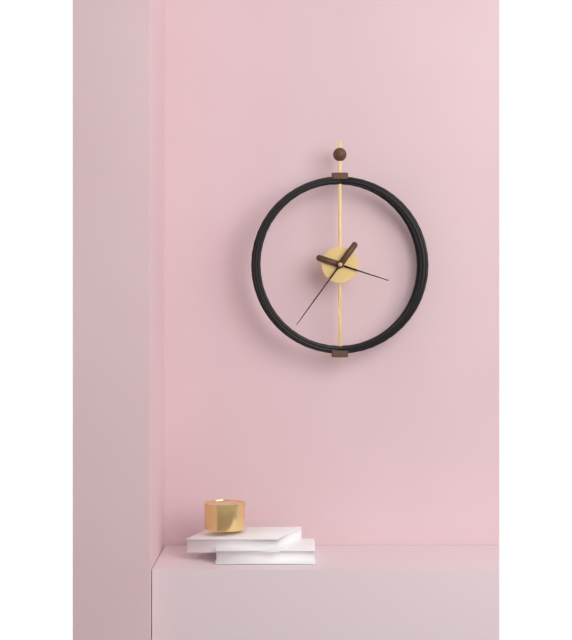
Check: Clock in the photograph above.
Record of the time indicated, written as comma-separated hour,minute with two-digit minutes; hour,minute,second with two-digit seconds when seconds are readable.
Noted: 3,36
